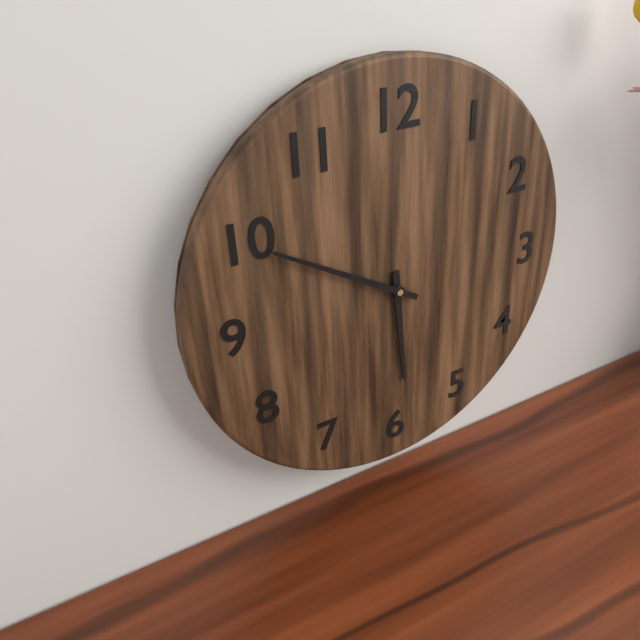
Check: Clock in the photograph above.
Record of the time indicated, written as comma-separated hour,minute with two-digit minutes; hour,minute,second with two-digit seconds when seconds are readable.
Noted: 5,50
